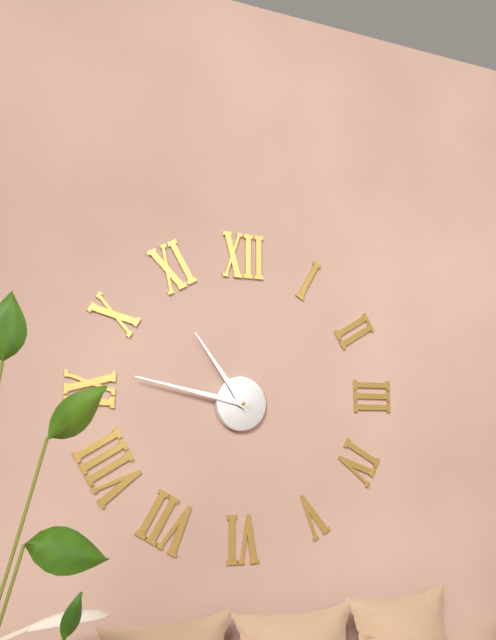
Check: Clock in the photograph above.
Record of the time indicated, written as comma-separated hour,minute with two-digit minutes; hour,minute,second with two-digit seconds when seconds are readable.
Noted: 10,47
